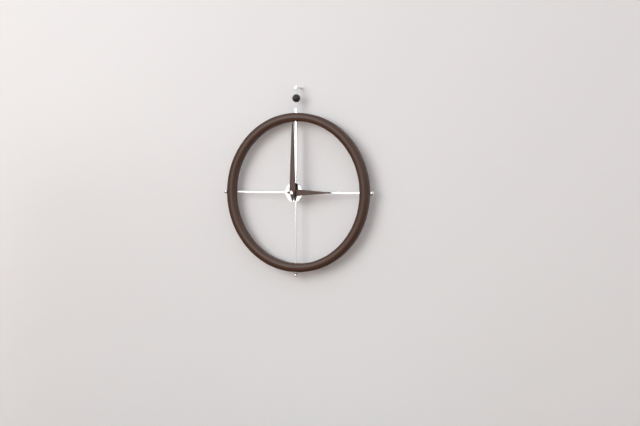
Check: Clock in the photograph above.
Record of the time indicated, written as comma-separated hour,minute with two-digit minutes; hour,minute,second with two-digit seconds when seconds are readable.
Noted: 3,00
